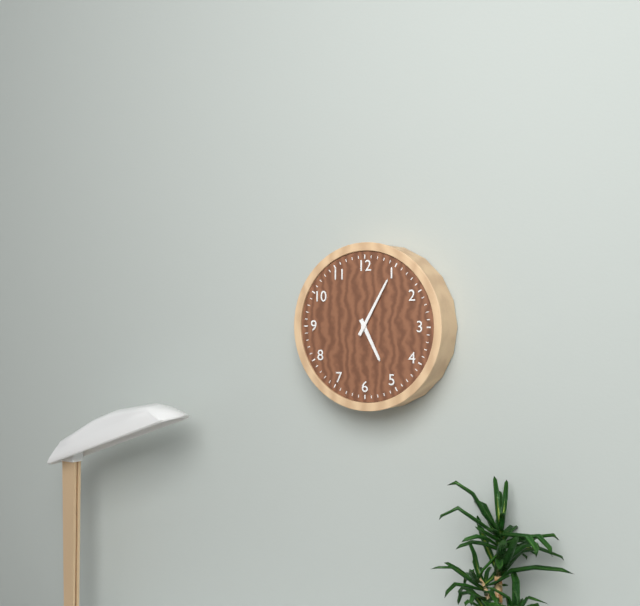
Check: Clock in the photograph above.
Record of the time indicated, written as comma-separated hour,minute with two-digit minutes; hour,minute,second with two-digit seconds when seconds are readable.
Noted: 5,05
